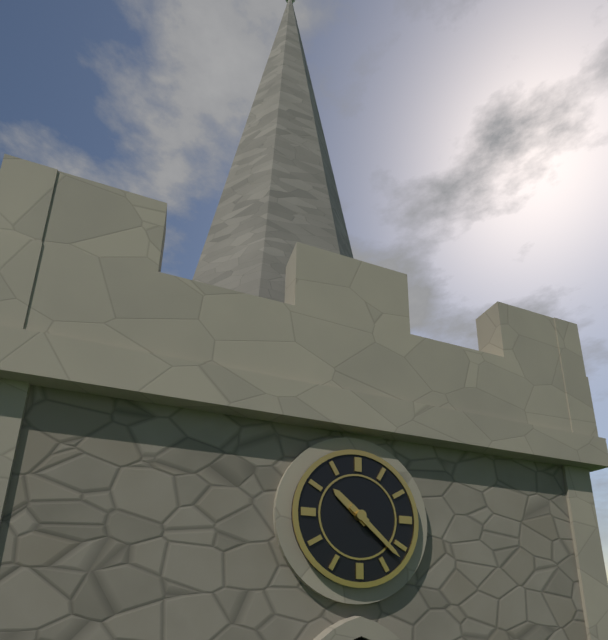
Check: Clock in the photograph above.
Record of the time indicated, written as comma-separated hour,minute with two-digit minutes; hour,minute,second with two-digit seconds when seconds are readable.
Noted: 10,22
